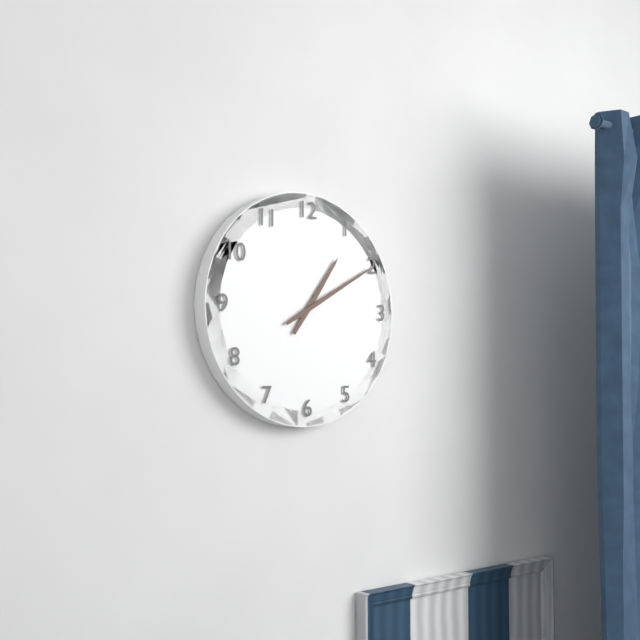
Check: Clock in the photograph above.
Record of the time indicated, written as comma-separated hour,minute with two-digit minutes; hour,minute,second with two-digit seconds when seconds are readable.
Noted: 1,10
